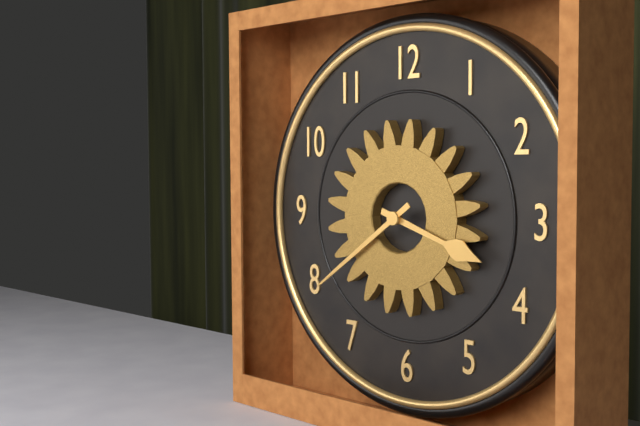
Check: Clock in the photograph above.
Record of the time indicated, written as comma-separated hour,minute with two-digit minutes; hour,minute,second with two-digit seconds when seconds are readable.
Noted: 3,39
